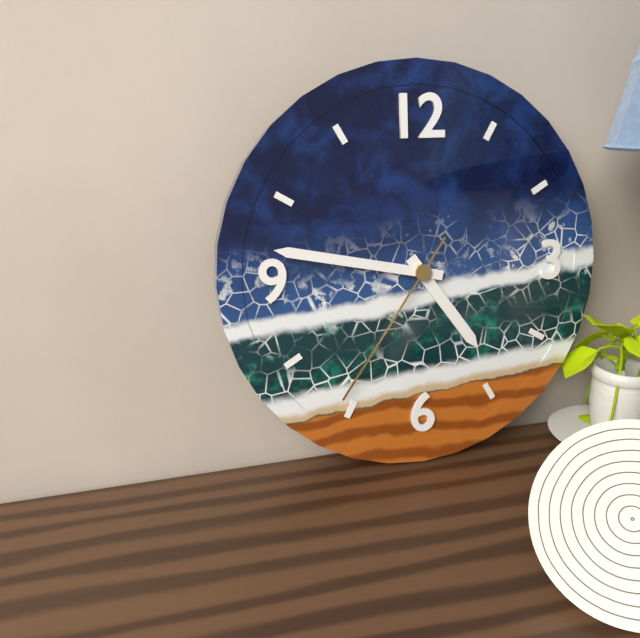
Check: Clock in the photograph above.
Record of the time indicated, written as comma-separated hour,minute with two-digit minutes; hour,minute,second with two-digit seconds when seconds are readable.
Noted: 4,47,36
